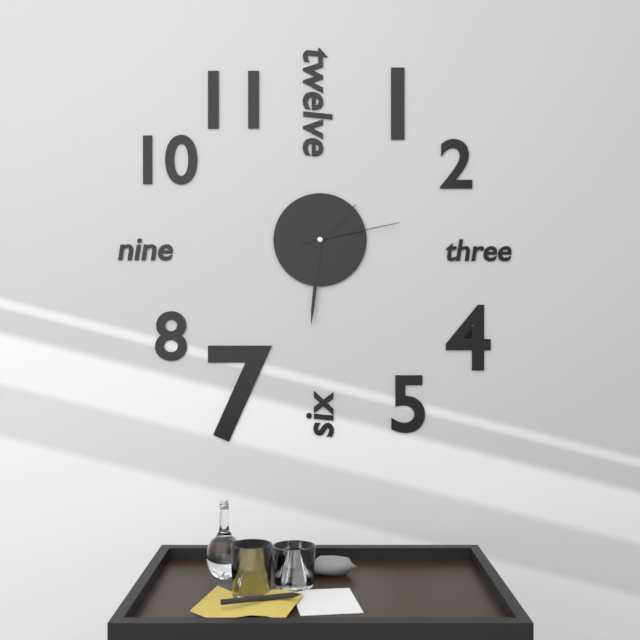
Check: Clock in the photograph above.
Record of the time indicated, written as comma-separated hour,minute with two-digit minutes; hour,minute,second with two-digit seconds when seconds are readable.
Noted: 1,31,13
